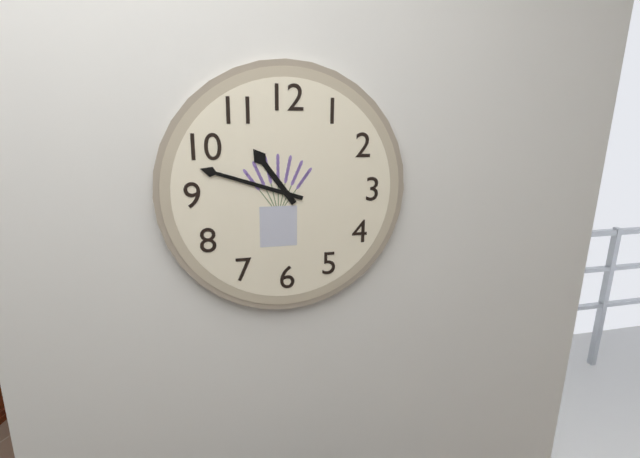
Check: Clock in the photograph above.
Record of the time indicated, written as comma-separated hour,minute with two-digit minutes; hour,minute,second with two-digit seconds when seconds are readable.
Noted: 10,48
